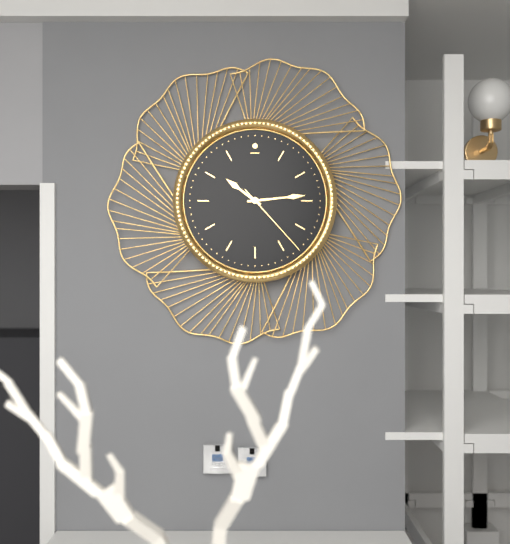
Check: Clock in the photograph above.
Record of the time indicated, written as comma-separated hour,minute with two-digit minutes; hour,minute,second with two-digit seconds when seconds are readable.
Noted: 10,14,23
